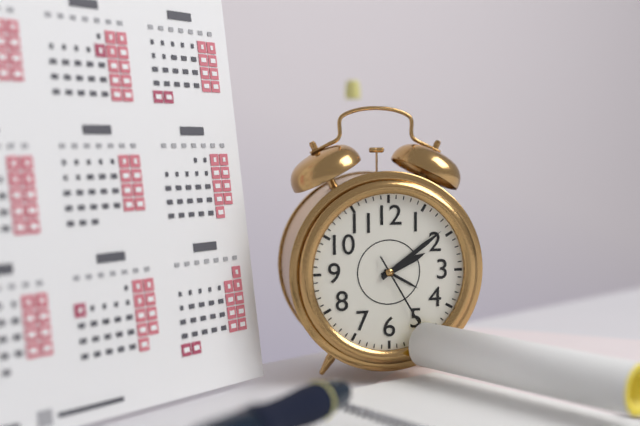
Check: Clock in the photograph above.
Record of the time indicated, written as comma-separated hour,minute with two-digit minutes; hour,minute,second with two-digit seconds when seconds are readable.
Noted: 2,09,25
